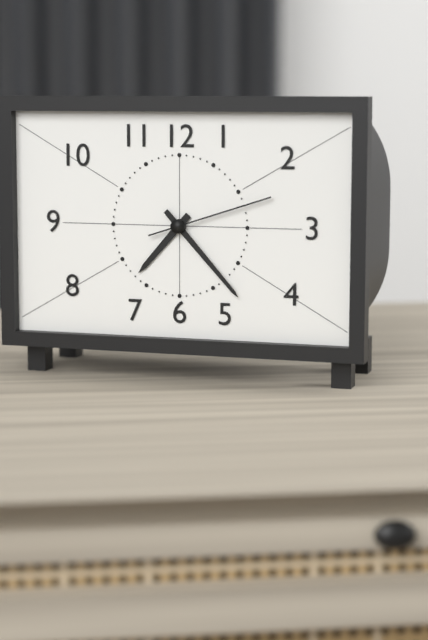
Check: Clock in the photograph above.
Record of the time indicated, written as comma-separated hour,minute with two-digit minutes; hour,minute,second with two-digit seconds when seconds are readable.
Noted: 7,23,12
